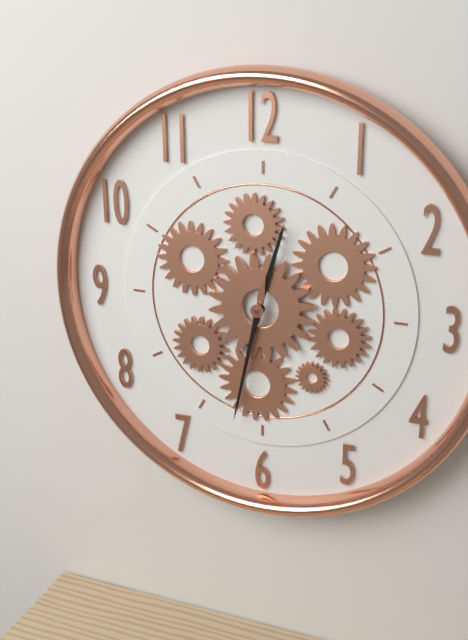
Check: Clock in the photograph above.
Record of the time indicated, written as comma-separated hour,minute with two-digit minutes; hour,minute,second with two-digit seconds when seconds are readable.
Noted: 12,32
